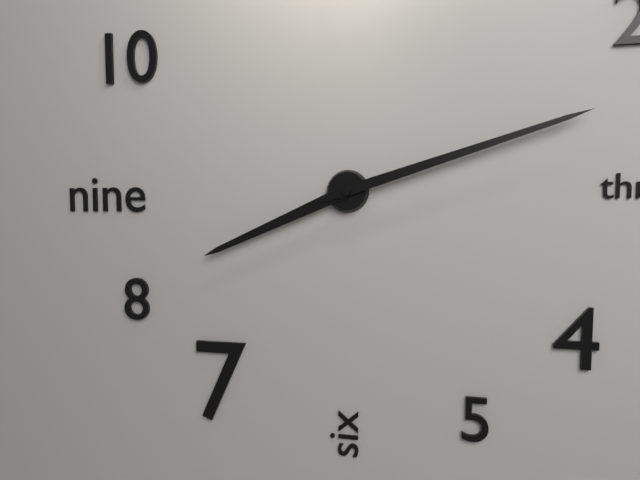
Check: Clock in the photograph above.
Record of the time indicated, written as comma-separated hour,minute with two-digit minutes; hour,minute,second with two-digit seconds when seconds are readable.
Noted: 8,12
